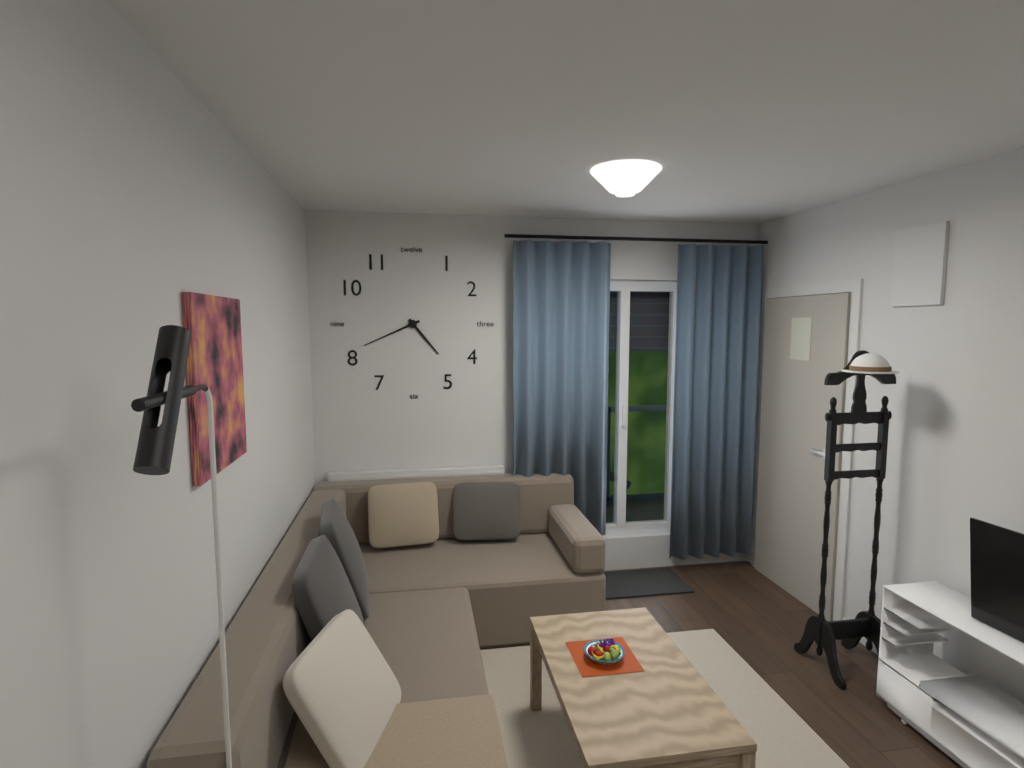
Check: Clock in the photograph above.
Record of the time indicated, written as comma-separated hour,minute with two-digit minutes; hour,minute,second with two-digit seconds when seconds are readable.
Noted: 4,41
